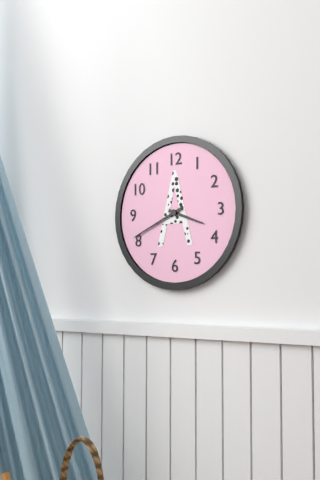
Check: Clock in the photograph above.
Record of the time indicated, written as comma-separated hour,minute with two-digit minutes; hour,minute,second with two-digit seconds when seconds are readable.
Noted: 3,41
